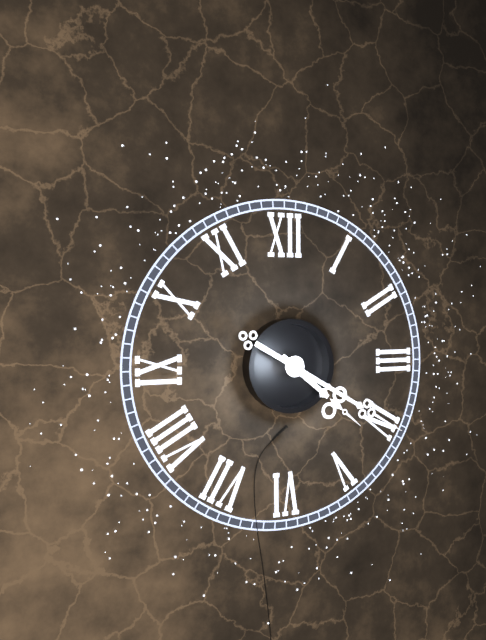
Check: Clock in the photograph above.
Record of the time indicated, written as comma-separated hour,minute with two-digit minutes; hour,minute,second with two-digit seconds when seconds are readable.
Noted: 4,20
